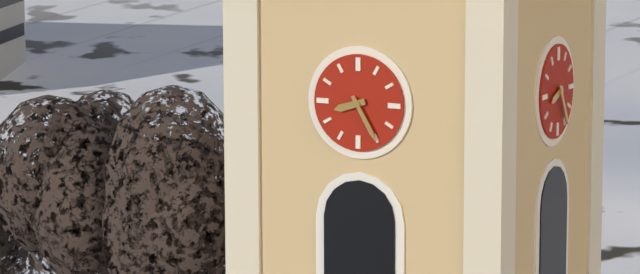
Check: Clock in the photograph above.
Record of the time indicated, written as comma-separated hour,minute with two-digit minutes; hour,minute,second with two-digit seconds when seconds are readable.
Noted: 8,25
